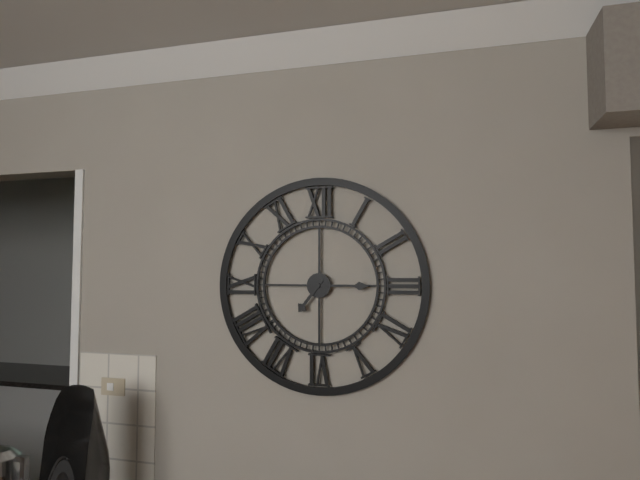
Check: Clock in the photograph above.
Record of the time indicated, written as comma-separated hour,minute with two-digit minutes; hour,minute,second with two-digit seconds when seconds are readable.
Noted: 7,15
